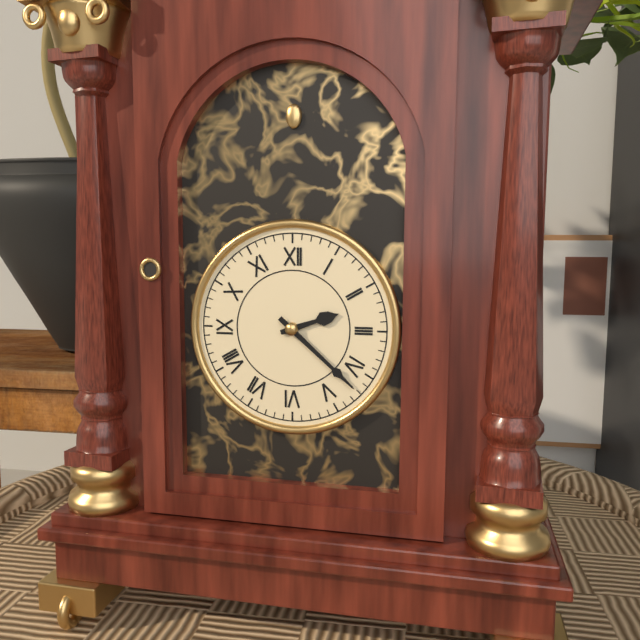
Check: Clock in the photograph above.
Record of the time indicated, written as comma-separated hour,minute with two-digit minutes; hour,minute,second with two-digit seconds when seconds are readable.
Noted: 2,22
